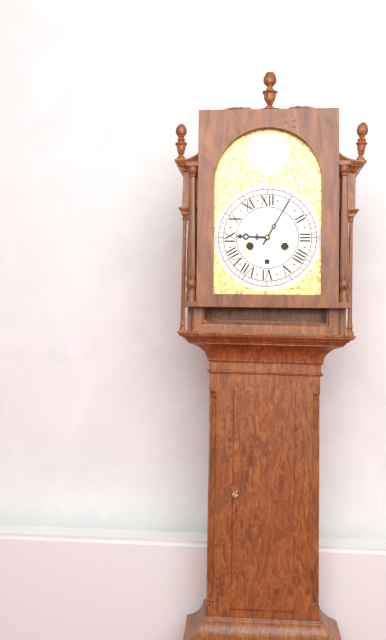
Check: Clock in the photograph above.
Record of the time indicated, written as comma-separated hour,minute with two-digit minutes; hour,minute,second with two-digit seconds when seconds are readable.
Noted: 9,05
